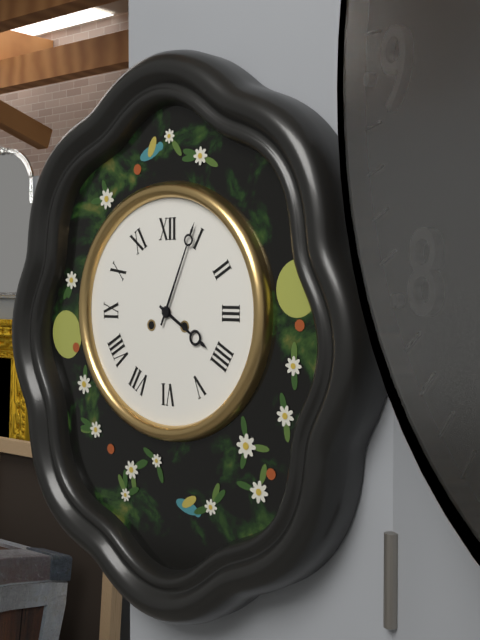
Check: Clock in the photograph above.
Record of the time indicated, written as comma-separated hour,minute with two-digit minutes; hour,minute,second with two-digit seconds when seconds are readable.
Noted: 4,04
